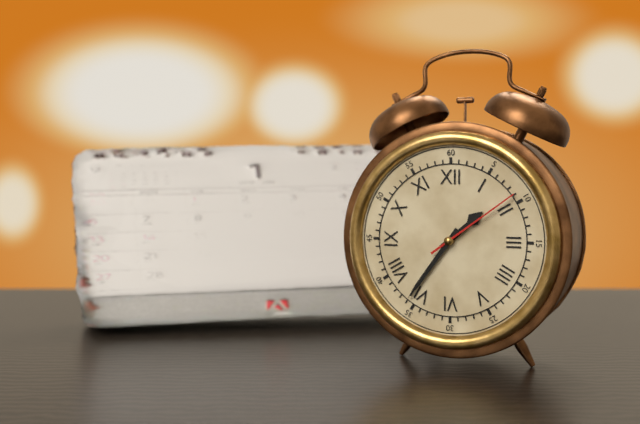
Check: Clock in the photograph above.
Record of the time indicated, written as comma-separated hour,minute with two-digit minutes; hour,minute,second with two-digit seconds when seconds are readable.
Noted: 1,36,09
